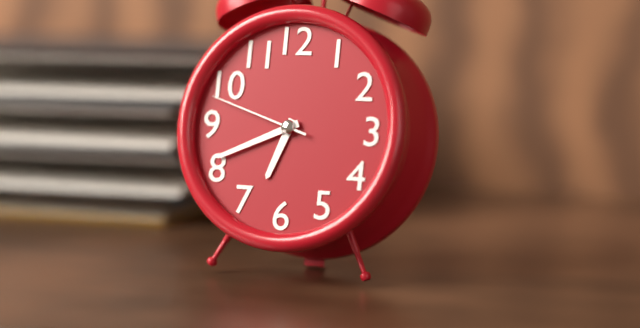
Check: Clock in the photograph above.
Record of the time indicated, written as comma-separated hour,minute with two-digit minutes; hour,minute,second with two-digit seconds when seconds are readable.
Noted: 6,41,48
